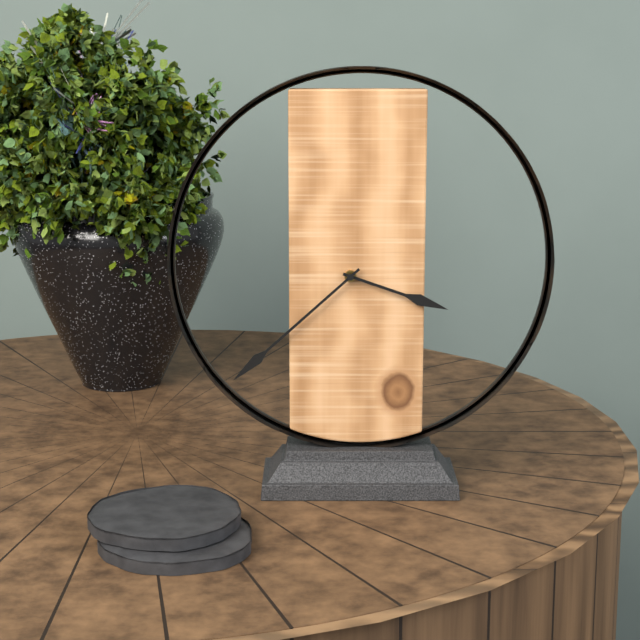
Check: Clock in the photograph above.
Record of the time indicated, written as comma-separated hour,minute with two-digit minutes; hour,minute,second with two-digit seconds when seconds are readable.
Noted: 3,38
